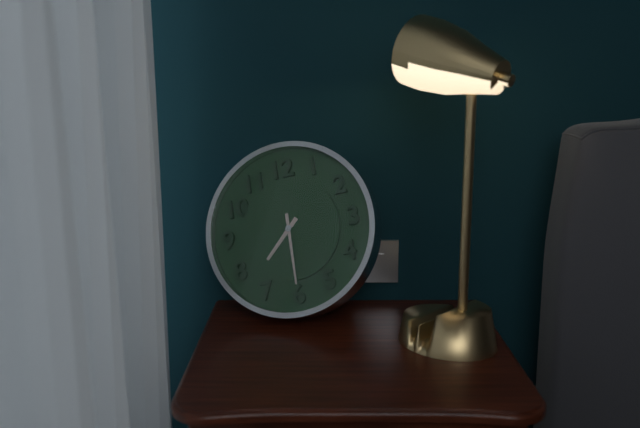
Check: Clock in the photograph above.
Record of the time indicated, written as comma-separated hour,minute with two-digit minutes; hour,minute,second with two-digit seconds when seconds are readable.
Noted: 7,30
